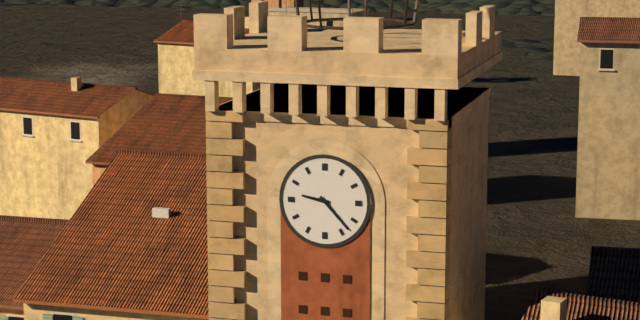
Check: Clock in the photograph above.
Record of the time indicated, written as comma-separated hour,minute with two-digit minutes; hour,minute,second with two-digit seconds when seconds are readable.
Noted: 9,23
